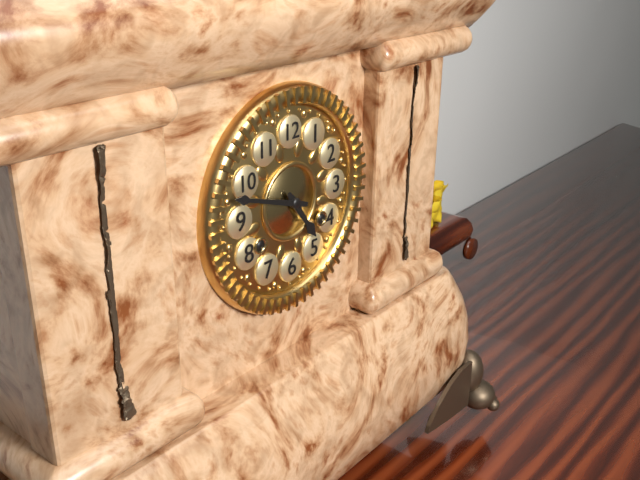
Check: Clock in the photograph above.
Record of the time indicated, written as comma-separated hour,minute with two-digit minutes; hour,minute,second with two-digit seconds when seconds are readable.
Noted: 4,48
